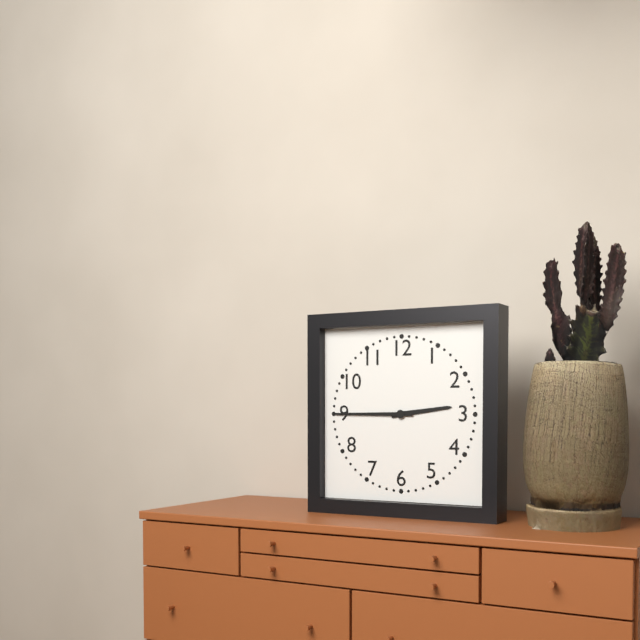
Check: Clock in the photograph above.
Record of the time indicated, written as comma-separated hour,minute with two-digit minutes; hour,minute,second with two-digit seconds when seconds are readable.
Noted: 2,45
